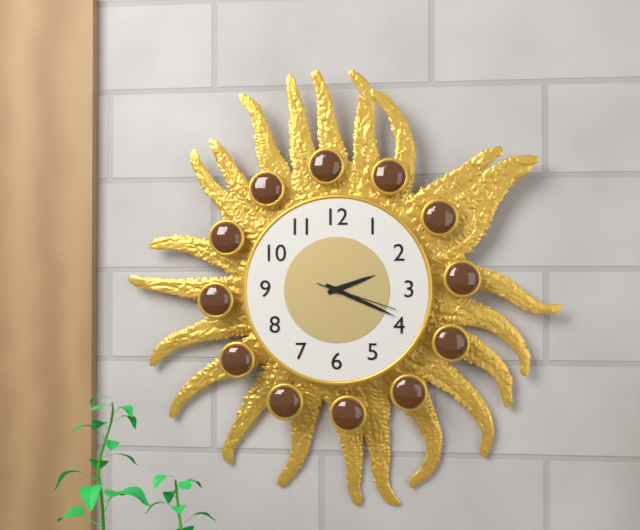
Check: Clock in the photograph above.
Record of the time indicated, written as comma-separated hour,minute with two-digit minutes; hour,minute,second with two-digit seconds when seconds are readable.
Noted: 2,19,18
